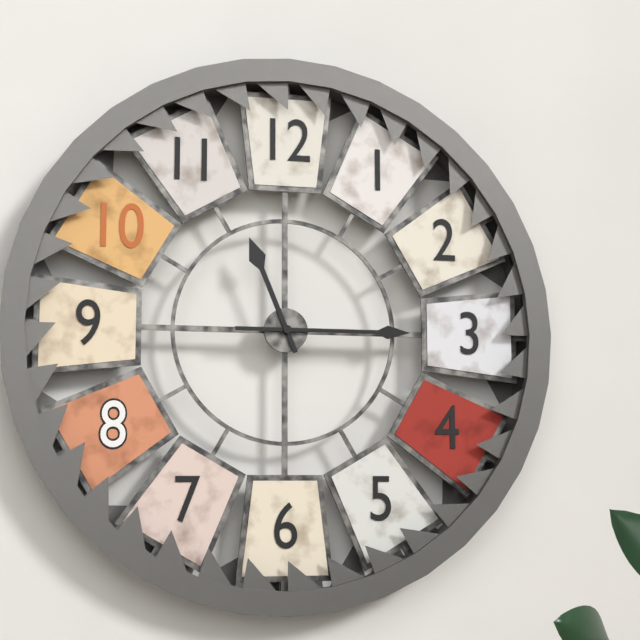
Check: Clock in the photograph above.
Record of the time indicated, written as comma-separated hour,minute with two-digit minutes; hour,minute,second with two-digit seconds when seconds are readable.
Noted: 11,15
